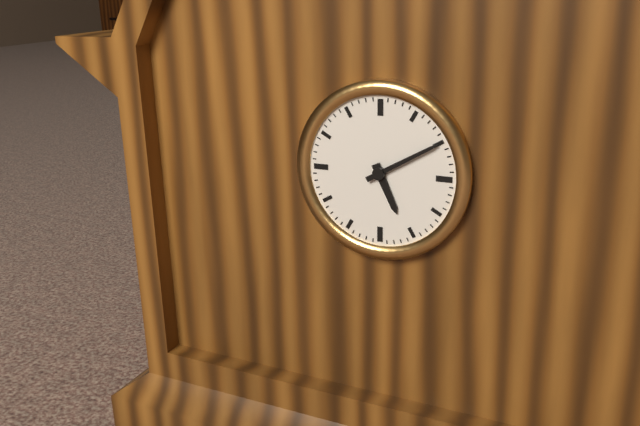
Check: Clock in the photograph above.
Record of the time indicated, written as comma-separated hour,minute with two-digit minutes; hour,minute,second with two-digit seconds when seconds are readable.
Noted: 5,10
